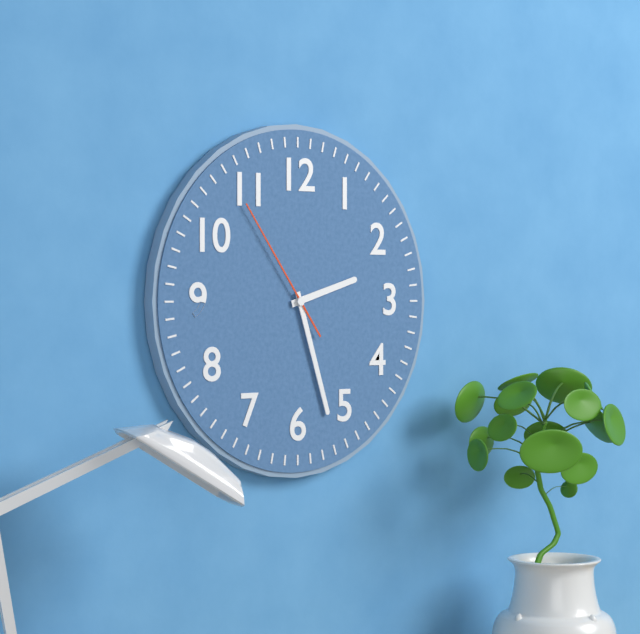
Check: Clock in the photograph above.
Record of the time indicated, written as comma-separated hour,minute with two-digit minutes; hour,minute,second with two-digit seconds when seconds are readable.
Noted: 2,27,54
